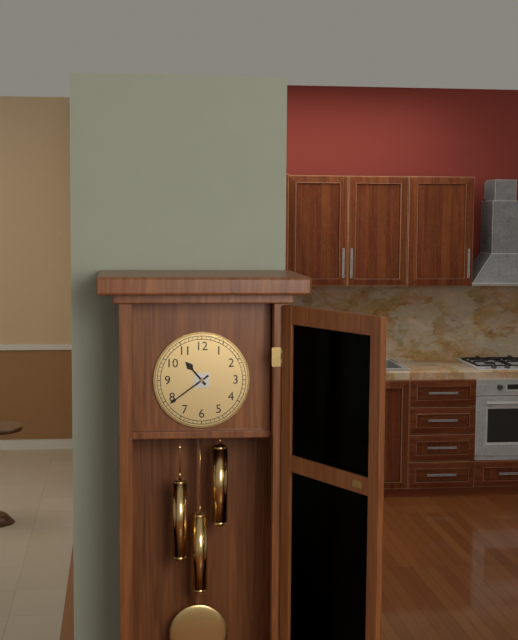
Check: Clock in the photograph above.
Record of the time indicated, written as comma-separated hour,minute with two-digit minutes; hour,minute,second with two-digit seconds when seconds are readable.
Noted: 10,39
